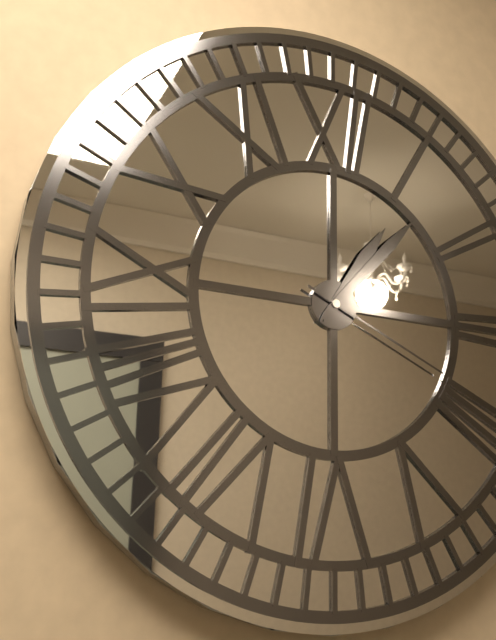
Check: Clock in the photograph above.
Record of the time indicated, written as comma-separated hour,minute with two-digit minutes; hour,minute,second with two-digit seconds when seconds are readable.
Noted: 1,07,19
